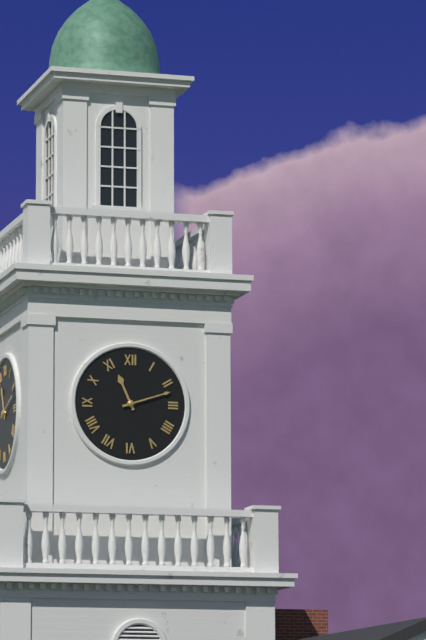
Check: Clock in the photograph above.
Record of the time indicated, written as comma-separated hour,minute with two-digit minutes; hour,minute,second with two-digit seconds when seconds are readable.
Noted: 11,12
